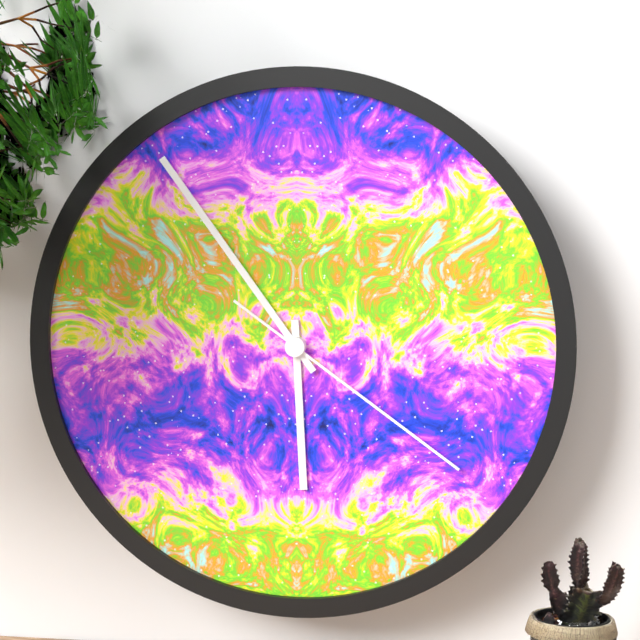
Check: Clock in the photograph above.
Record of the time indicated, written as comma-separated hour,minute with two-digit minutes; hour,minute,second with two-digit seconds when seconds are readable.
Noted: 5,54,21
